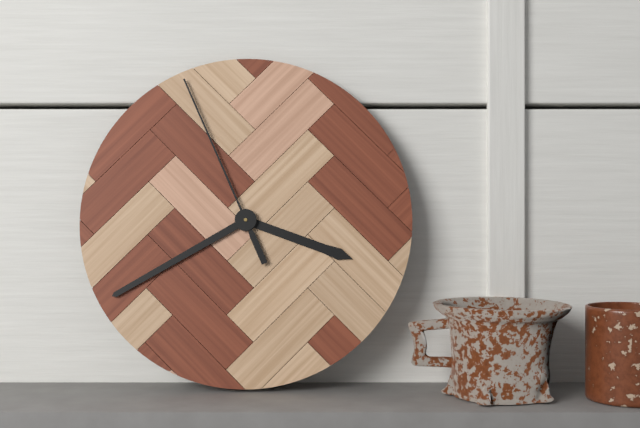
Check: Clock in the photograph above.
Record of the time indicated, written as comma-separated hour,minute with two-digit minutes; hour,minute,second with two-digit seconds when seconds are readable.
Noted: 3,40,56
